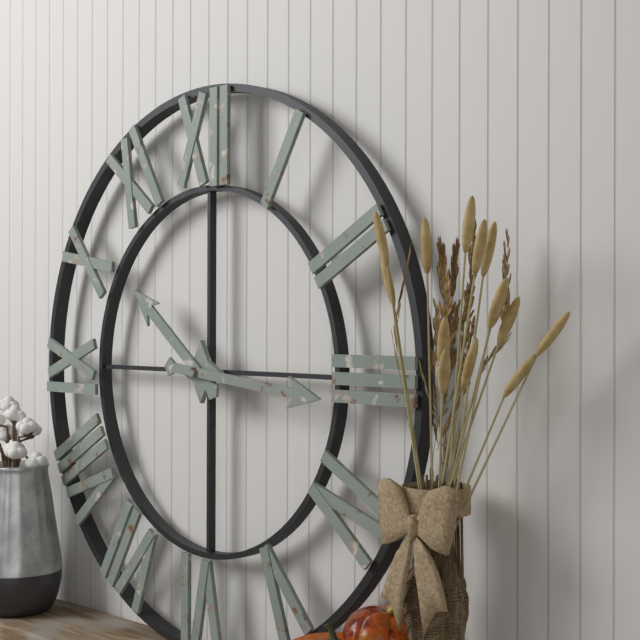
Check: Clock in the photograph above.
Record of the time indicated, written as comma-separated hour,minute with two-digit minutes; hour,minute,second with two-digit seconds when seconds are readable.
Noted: 10,16
